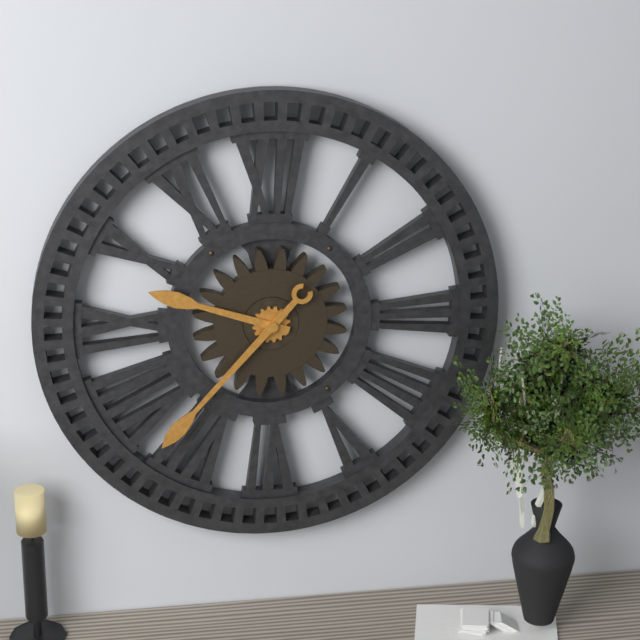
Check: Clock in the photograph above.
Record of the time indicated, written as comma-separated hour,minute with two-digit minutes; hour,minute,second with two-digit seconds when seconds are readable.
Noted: 9,37
